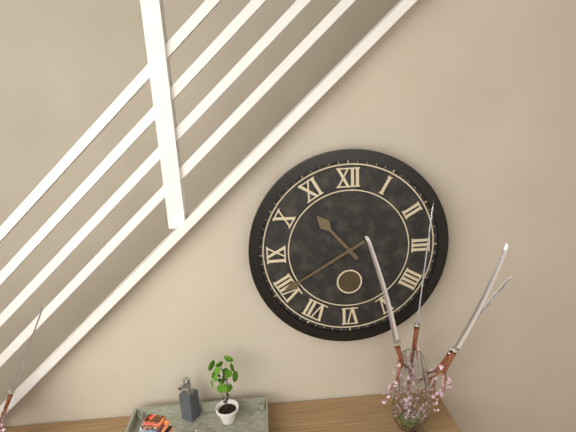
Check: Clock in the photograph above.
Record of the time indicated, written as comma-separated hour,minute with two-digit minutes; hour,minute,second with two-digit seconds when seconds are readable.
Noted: 10,40
